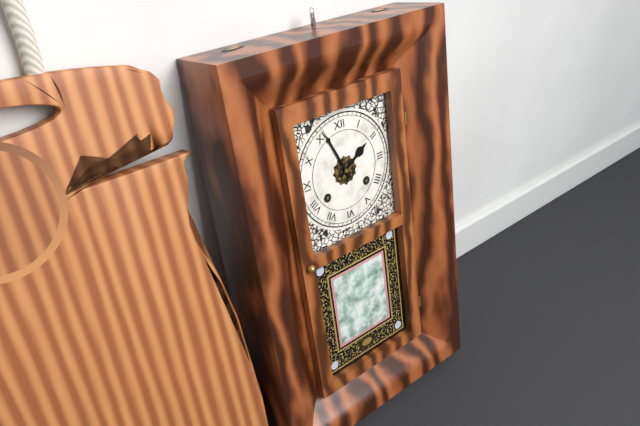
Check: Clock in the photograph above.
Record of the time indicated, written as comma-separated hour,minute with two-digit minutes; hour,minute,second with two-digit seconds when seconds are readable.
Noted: 1,56
